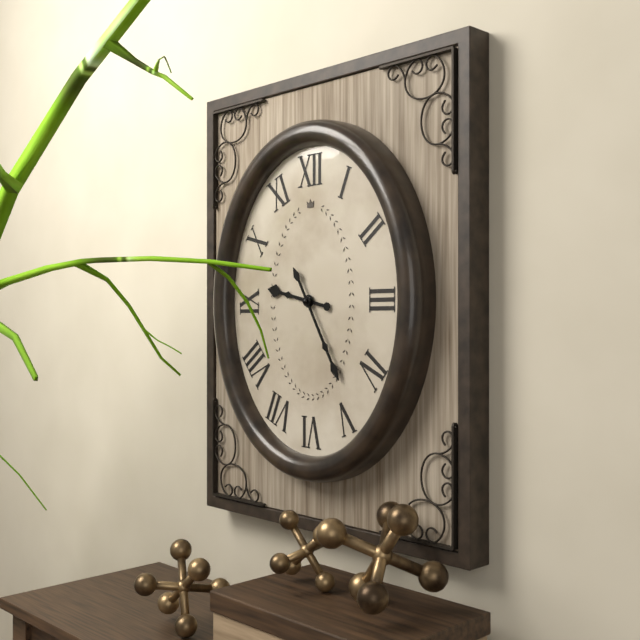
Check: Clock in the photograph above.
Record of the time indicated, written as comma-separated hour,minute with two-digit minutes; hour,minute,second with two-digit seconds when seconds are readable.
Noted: 9,25
